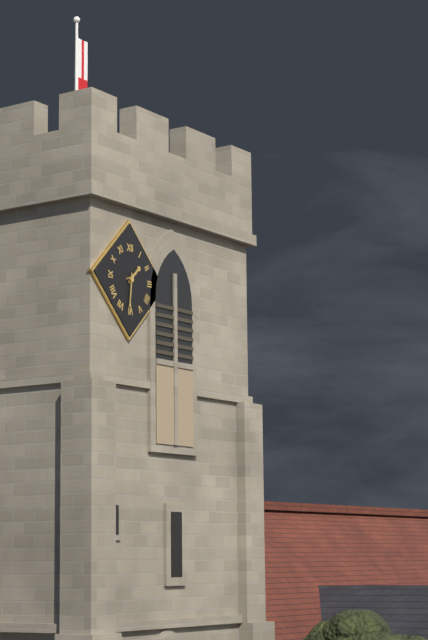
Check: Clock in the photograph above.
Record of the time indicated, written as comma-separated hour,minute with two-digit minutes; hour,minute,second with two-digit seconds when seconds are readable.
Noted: 1,31
